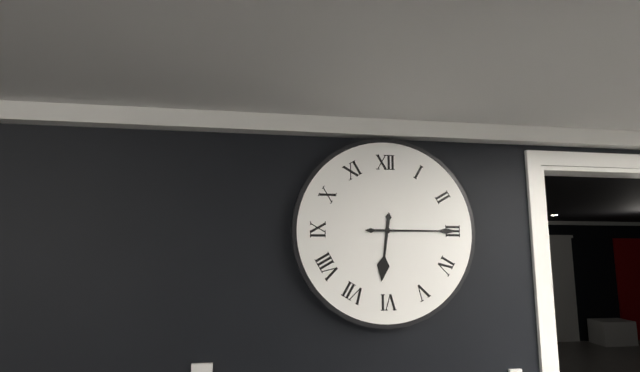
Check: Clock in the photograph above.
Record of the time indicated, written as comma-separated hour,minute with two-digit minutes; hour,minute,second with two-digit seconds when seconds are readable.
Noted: 6,15
